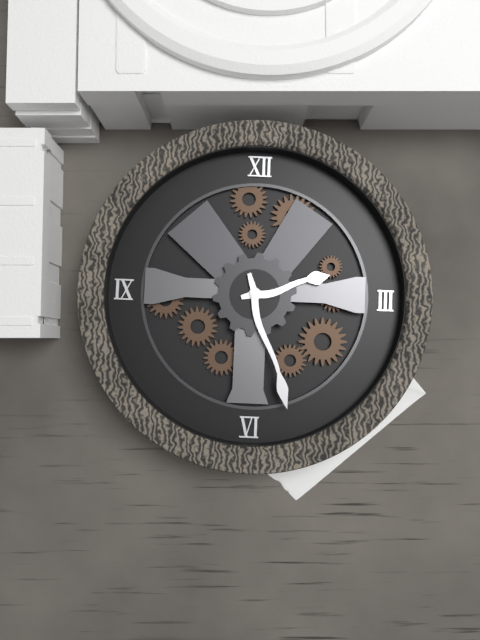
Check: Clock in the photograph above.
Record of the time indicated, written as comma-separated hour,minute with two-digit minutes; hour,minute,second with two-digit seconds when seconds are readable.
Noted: 2,27
